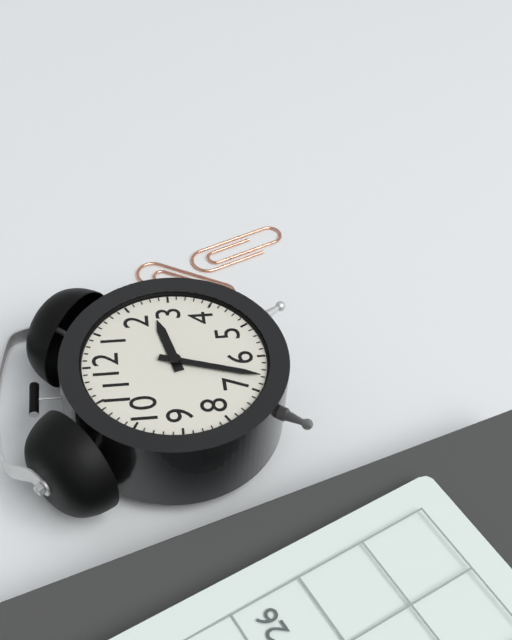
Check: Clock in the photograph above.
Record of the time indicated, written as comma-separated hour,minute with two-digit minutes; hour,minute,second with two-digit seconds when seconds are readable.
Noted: 2,33
